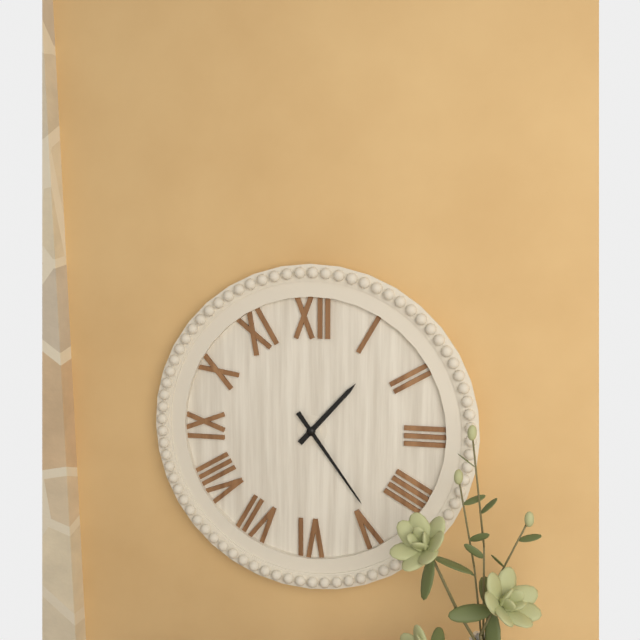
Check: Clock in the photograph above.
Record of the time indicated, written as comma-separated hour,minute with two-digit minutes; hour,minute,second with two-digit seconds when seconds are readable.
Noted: 1,24
